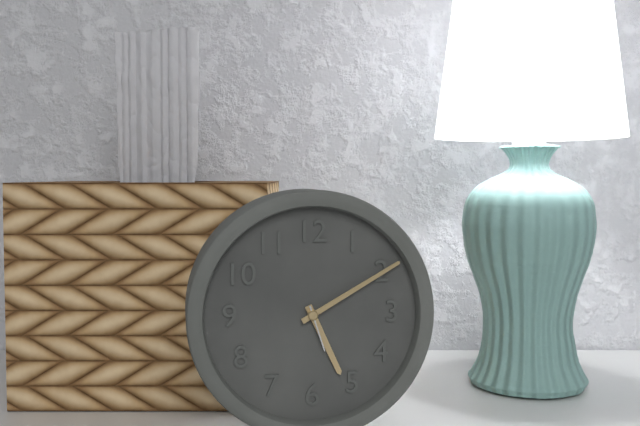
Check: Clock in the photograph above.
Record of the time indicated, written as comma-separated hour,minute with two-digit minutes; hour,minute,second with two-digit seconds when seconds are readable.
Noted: 5,10
